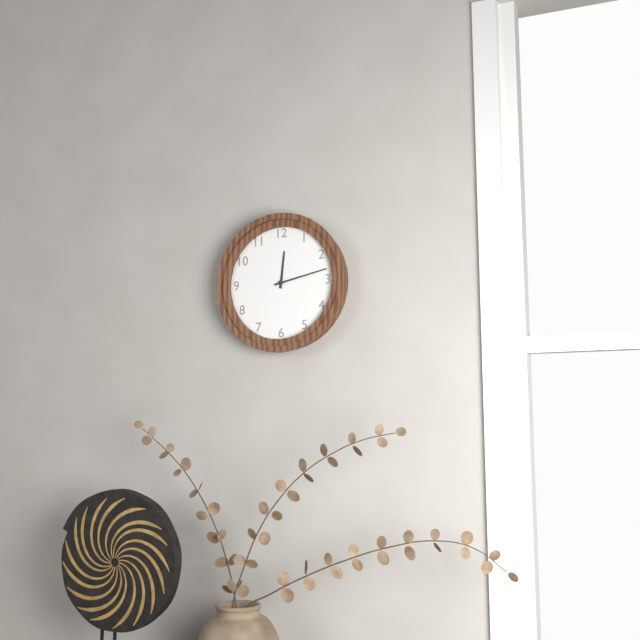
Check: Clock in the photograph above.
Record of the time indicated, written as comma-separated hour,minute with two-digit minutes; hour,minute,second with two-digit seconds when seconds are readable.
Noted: 12,13
